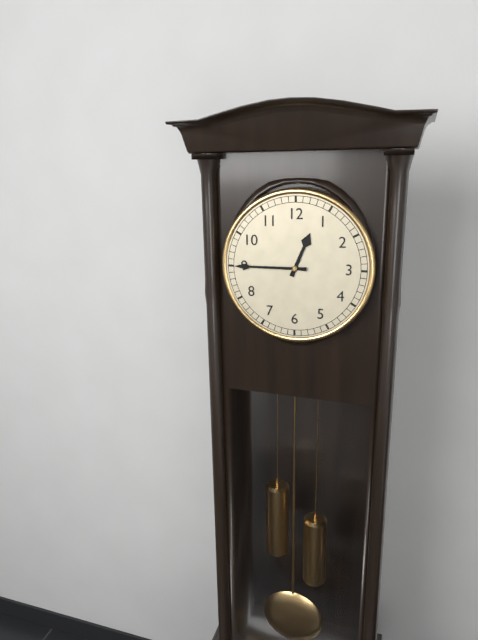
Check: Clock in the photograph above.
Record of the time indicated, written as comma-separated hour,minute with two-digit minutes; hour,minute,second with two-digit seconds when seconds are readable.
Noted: 12,45
